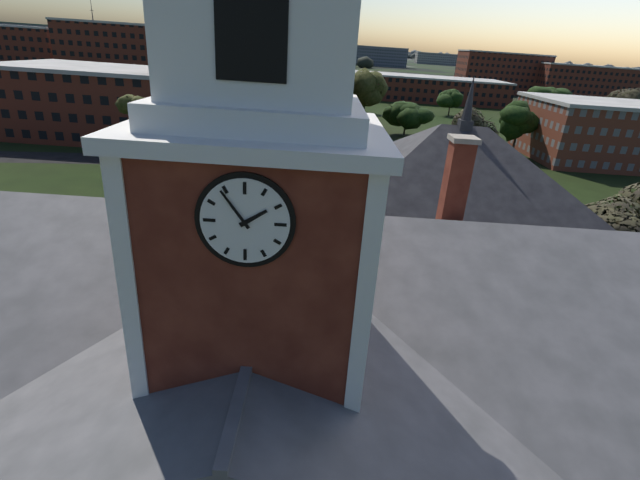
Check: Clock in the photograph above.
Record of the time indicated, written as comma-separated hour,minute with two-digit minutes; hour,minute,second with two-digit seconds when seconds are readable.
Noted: 1,54
